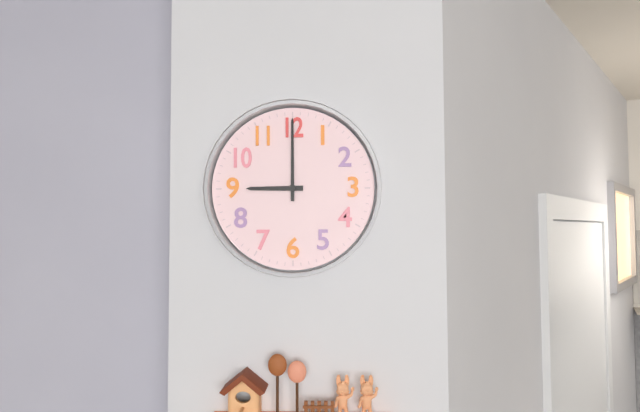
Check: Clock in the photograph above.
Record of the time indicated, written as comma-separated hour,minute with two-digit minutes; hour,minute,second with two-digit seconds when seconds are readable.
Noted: 9,00
